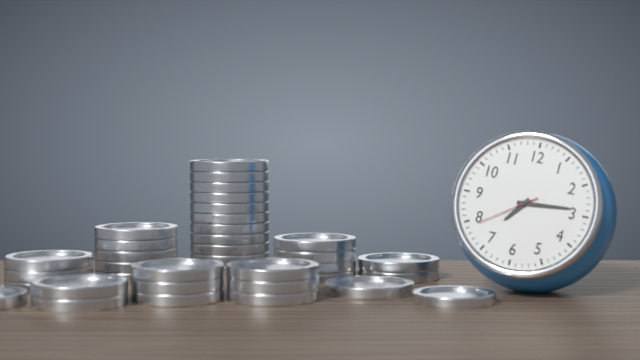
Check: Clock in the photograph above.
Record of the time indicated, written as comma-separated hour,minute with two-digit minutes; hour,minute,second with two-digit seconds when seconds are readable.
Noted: 7,14,39
